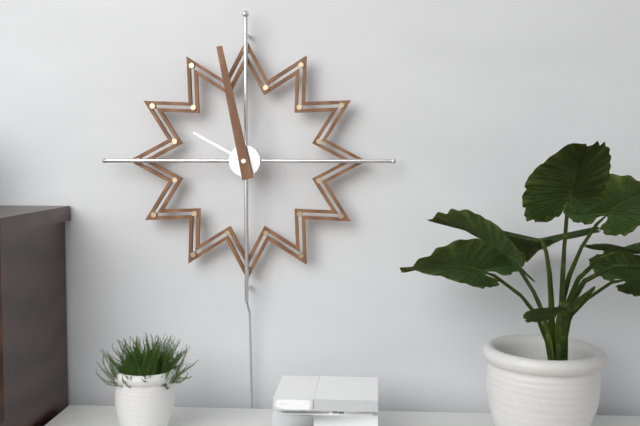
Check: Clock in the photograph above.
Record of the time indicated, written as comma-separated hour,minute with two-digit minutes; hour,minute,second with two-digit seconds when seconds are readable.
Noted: 9,58
